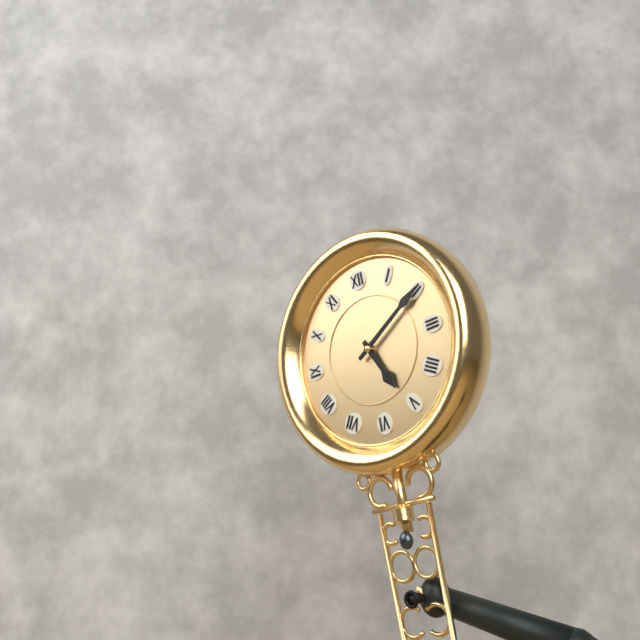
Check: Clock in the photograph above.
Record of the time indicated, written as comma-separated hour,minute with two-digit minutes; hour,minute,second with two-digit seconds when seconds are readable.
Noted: 5,10
